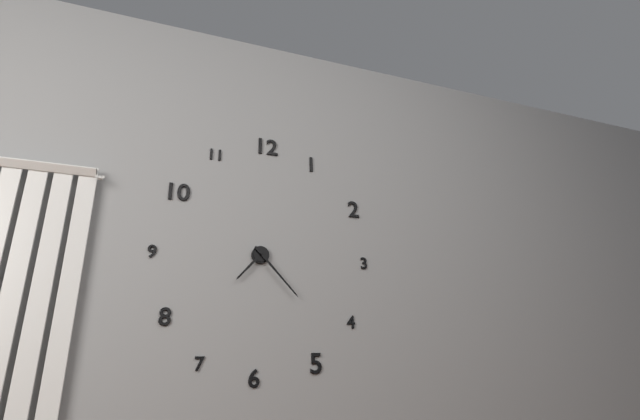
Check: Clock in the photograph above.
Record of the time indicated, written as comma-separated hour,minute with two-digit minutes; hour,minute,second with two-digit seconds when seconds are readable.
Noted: 7,23
